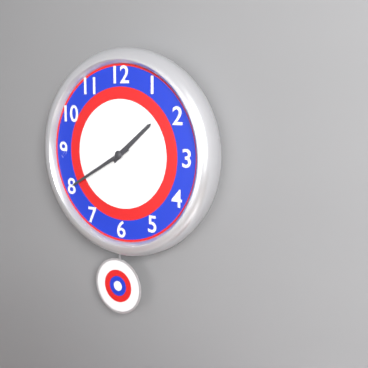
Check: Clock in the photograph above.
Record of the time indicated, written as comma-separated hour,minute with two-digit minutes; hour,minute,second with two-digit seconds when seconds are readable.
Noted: 1,40
